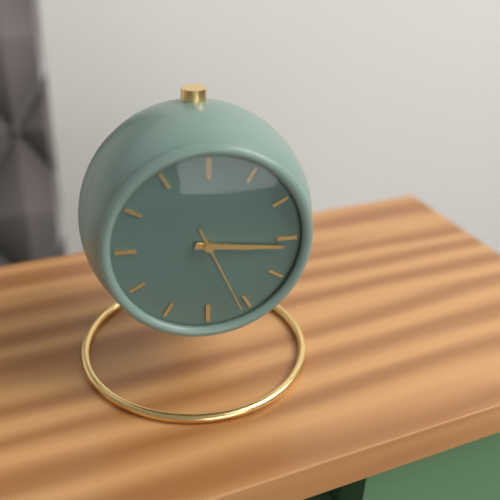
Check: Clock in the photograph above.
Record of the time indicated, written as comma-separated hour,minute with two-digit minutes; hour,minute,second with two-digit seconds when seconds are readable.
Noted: 3,16,26
